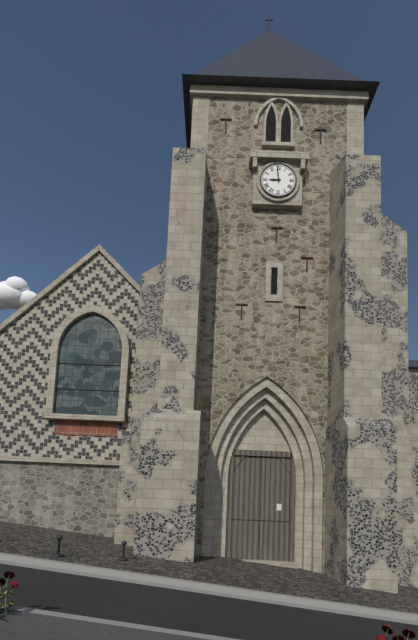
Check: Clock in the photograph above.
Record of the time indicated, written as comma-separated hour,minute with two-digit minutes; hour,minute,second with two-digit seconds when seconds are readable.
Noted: 8,59
